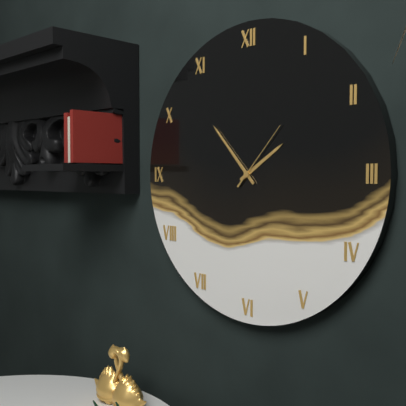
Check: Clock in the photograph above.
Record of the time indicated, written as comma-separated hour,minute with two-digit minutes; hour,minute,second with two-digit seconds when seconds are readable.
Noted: 1,53,07
